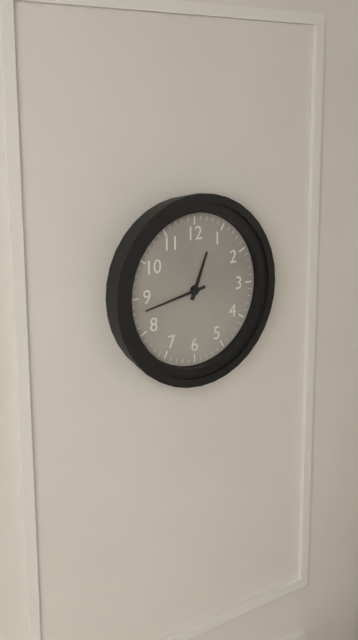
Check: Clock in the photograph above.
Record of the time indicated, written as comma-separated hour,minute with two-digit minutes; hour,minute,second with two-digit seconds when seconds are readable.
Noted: 12,43
